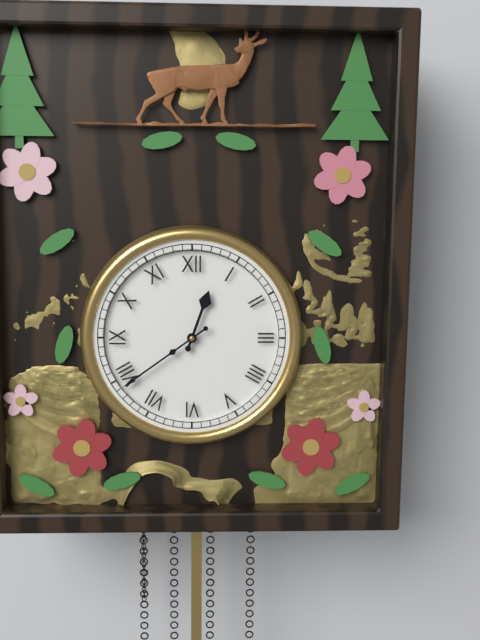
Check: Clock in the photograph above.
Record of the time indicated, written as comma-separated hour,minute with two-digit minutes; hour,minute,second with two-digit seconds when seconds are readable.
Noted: 12,39
